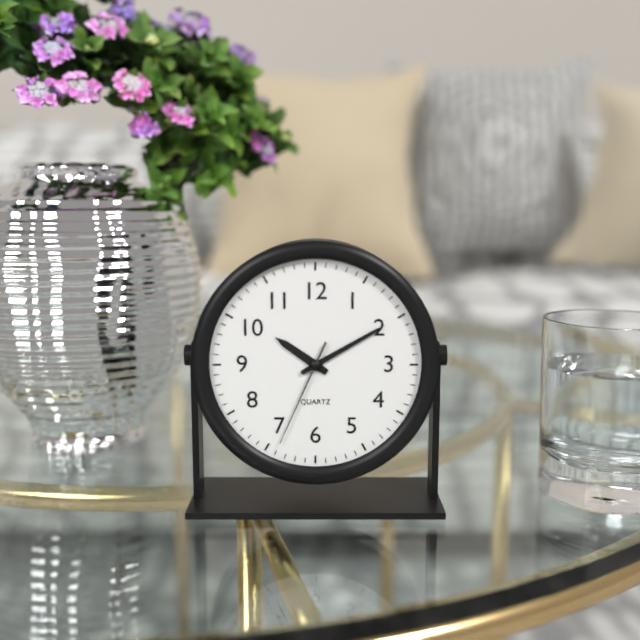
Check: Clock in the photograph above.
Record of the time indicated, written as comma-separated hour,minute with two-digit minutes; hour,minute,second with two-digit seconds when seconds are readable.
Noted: 10,10,34
